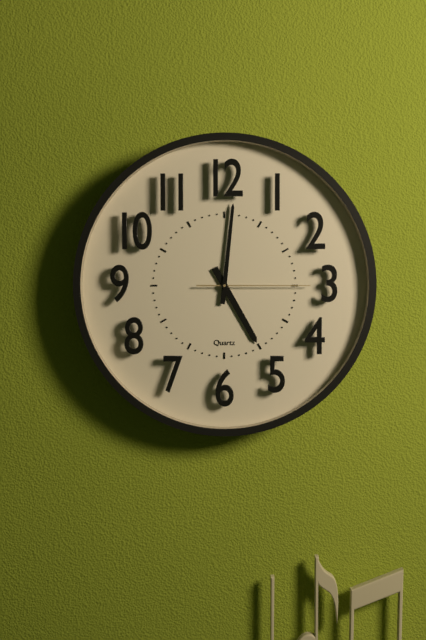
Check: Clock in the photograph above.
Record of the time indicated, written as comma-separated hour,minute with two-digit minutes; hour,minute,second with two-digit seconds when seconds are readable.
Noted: 5,01,15
